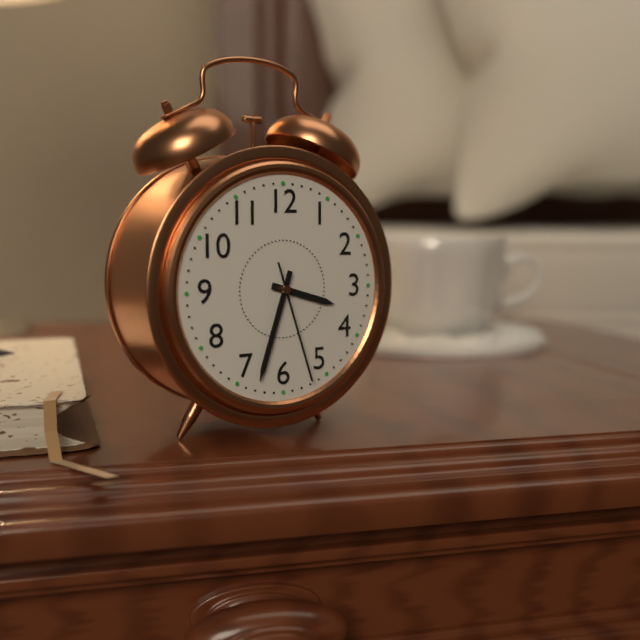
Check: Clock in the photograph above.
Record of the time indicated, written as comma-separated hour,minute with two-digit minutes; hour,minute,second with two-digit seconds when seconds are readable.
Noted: 3,33,27
